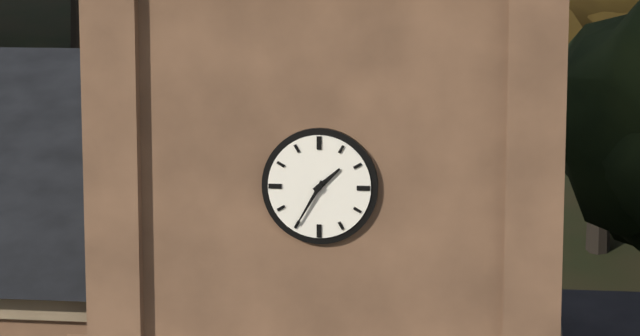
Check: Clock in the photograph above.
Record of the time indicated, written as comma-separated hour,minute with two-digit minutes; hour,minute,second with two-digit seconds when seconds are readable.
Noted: 1,35
